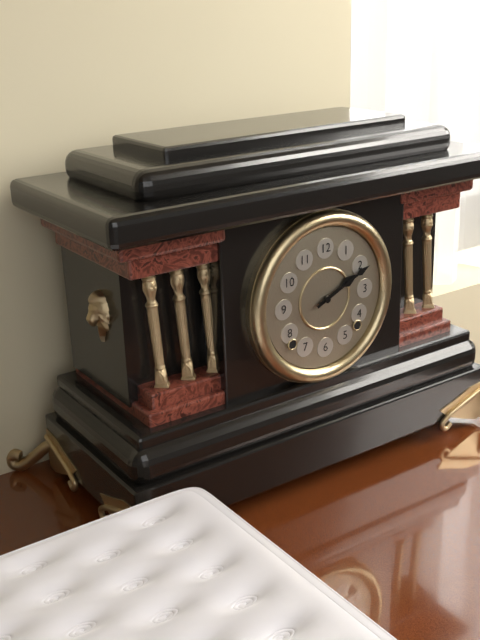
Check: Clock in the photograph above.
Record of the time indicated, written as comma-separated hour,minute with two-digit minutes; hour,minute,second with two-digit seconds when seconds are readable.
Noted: 2,11
